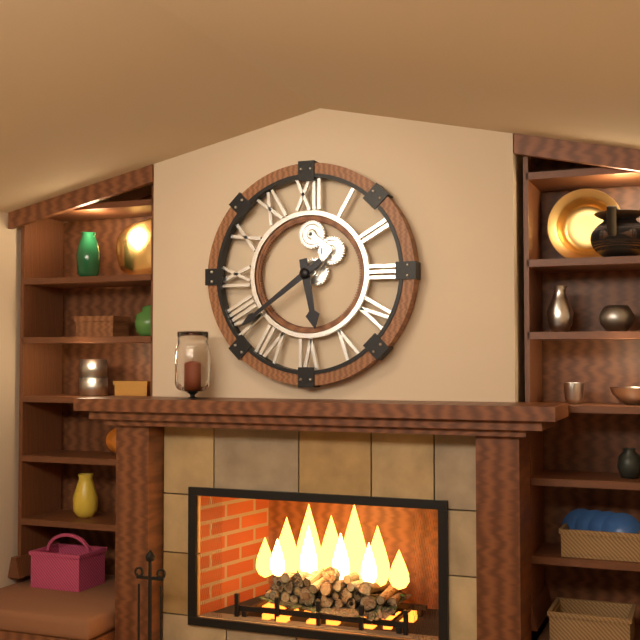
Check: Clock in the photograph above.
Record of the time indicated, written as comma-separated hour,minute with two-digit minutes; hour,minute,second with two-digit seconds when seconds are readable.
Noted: 5,39
